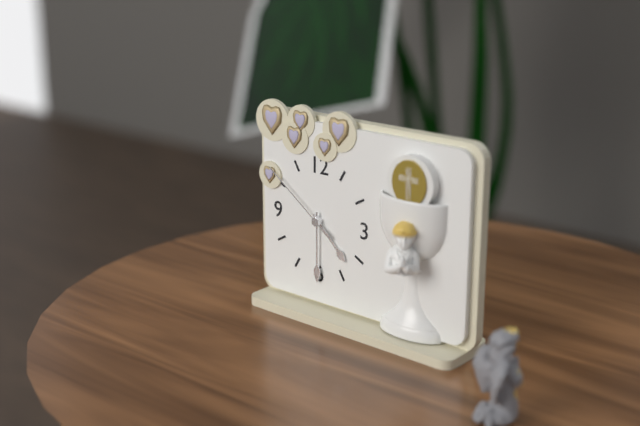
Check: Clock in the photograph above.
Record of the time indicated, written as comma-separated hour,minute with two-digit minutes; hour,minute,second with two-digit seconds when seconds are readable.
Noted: 4,30,51
